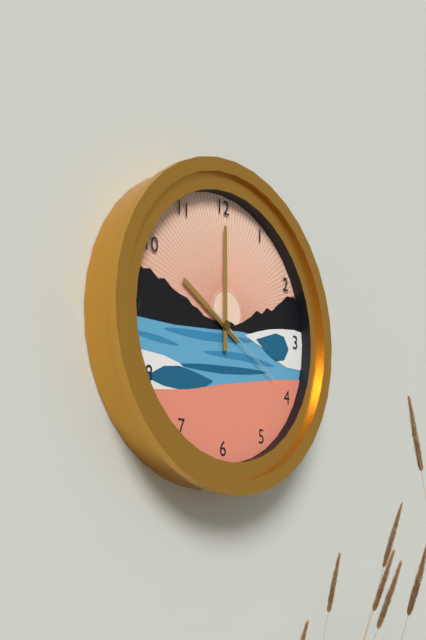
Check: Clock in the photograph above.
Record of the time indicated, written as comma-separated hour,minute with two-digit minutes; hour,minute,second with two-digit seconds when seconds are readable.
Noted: 10,00,20
